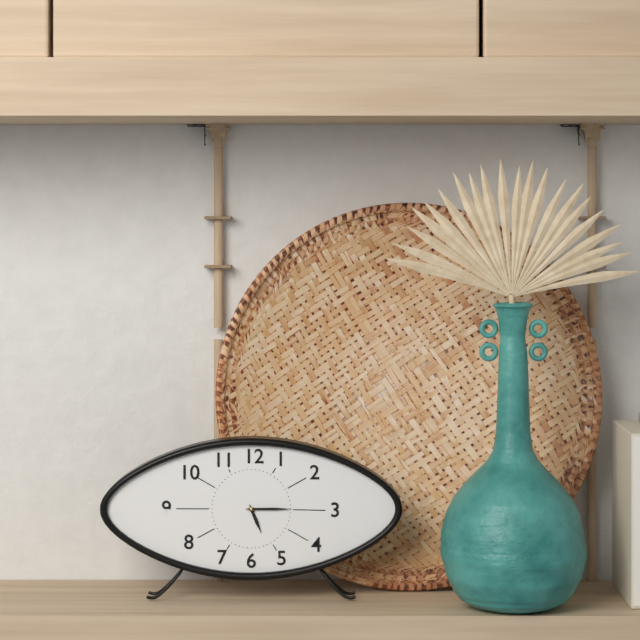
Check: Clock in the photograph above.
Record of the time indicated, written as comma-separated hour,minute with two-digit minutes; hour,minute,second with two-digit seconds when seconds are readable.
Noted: 5,15
